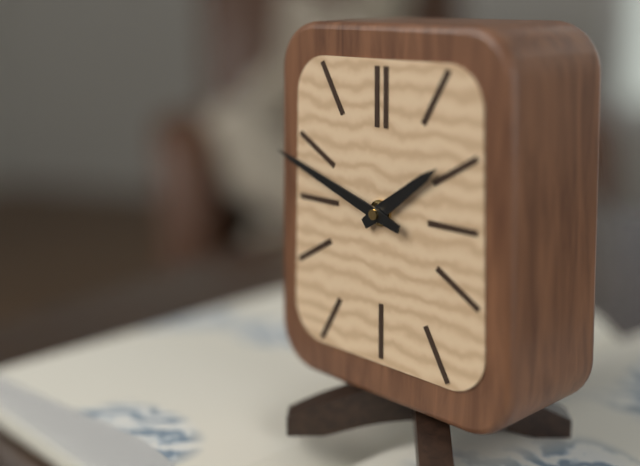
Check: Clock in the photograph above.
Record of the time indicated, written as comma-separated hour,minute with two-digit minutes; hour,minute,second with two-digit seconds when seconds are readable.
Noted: 1,48
